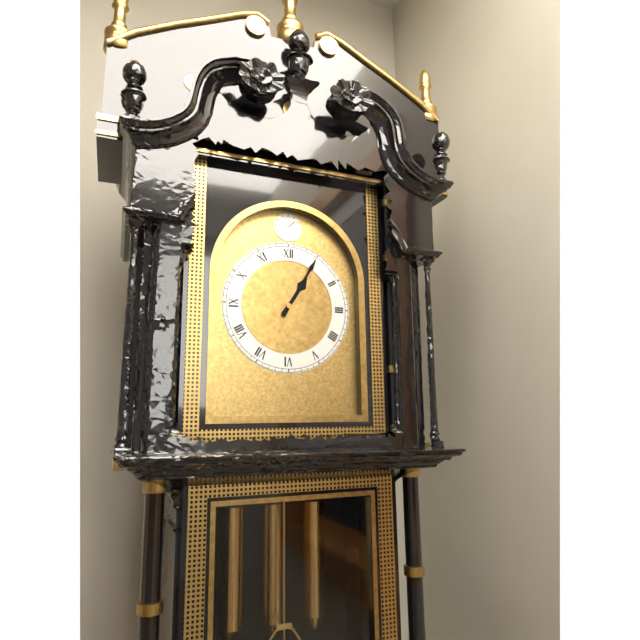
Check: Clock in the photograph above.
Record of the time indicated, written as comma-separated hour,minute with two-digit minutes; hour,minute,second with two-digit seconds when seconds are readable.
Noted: 1,05
